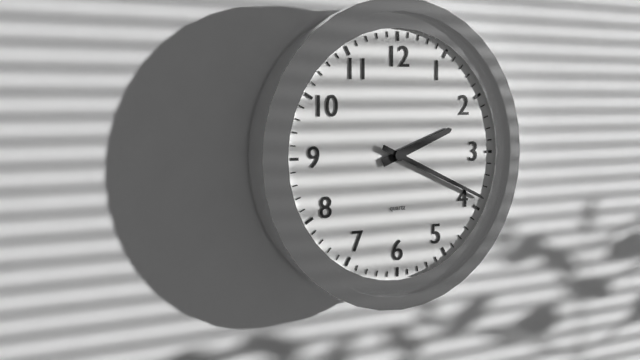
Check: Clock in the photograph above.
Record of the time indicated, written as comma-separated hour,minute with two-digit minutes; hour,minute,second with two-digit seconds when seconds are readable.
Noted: 2,19
